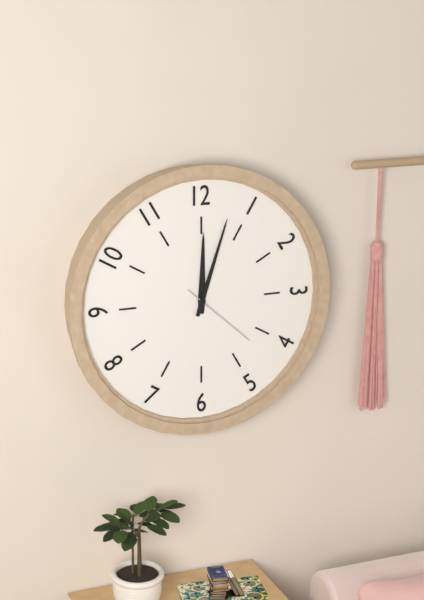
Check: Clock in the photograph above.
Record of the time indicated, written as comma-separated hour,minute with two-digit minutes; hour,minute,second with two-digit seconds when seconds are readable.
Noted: 12,03,22
